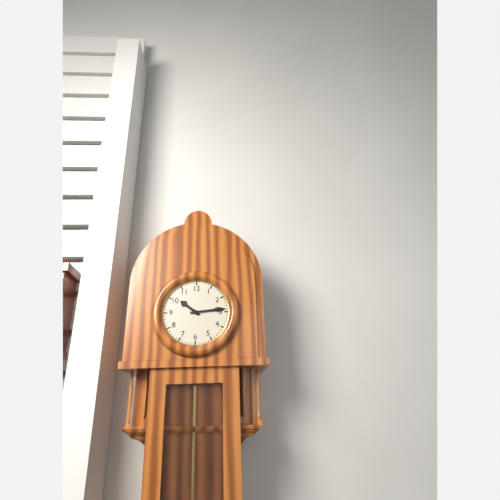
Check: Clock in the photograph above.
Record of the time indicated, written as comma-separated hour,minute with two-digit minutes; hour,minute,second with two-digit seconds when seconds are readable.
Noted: 10,14
